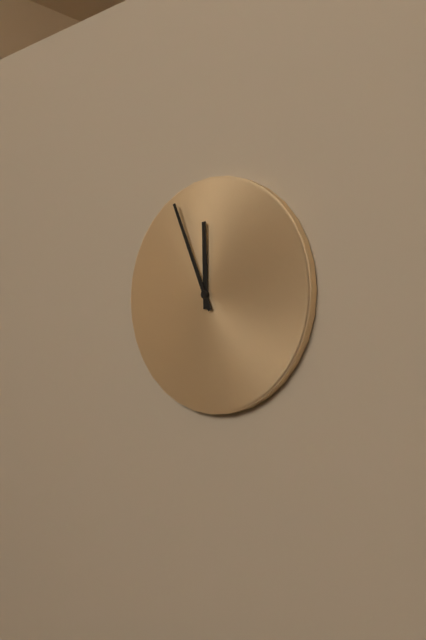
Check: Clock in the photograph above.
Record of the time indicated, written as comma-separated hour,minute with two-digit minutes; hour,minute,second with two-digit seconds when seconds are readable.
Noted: 11,56
